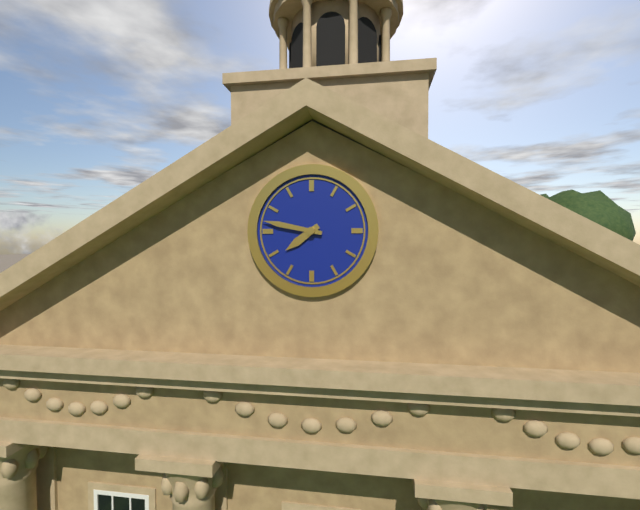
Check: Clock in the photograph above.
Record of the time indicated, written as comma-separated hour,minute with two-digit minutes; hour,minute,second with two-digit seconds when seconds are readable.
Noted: 7,47
